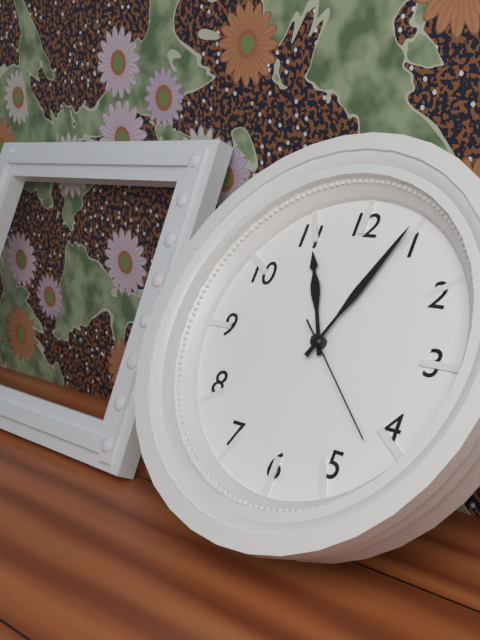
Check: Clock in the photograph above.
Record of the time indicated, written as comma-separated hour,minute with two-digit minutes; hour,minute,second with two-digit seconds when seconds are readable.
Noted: 11,04,22
